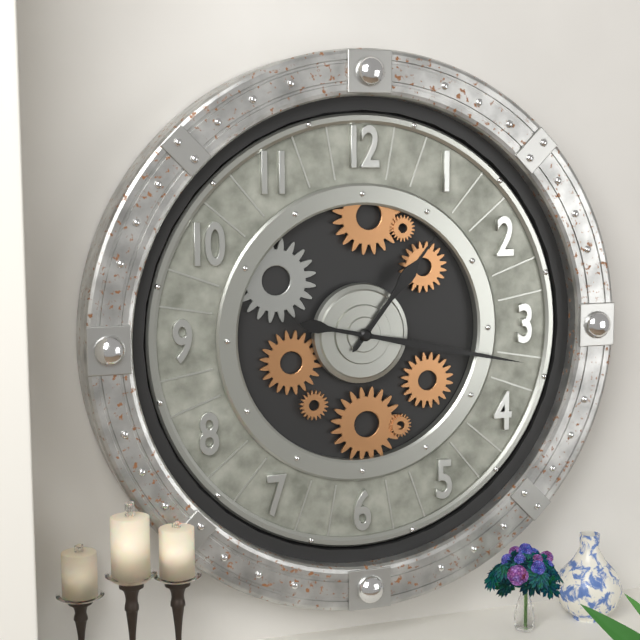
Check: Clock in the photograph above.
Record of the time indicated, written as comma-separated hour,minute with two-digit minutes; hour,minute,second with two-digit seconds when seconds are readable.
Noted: 1,17
